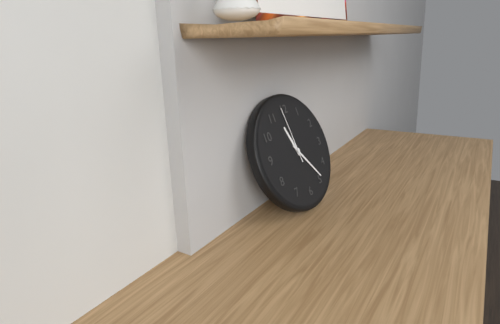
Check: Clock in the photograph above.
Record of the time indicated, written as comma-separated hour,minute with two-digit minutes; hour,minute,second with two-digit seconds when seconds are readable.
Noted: 11,24,59
